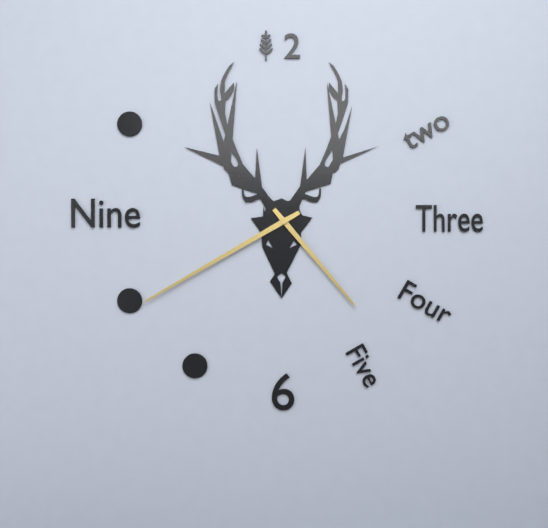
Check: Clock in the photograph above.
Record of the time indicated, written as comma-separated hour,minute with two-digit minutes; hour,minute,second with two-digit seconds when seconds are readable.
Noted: 4,40
